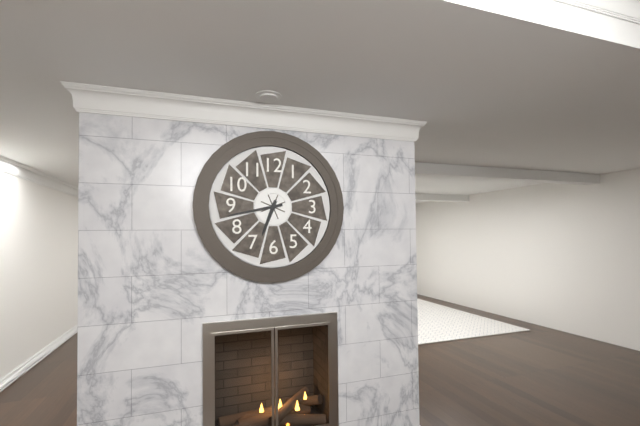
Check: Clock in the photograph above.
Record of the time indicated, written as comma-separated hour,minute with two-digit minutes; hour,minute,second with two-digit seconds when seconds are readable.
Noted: 6,43
